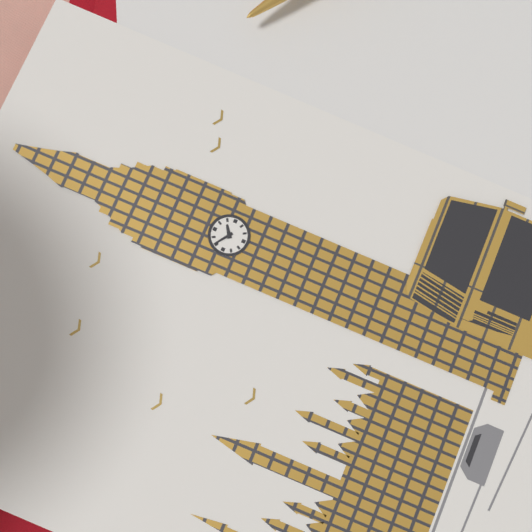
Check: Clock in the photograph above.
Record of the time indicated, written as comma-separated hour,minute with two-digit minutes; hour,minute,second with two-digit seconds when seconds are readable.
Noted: 1,51
